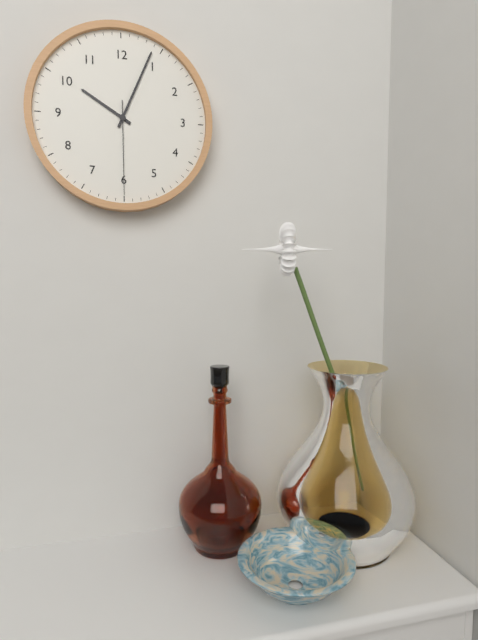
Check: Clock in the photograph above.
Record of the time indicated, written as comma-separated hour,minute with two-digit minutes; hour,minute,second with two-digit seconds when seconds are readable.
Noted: 10,04,30
